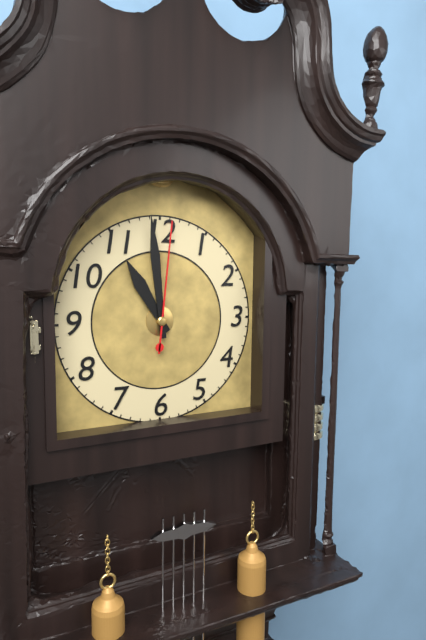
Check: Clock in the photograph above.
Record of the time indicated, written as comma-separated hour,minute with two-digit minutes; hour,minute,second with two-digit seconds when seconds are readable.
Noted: 10,59,01
